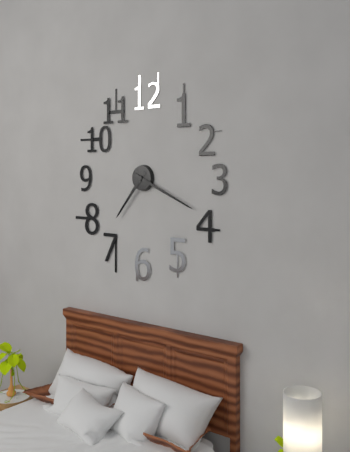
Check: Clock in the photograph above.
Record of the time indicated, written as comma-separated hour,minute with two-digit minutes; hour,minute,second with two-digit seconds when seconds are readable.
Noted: 7,19
